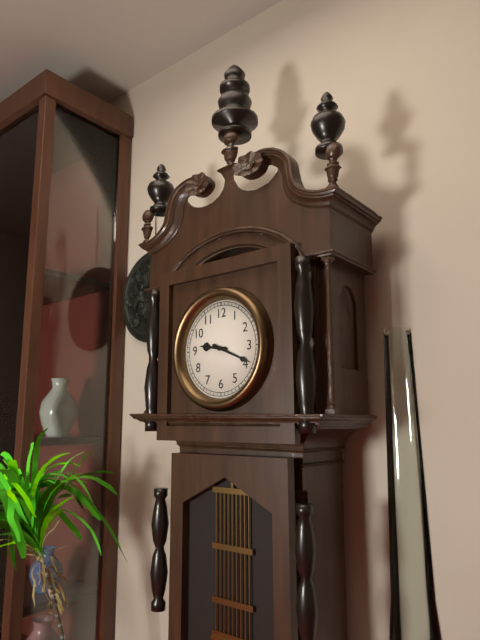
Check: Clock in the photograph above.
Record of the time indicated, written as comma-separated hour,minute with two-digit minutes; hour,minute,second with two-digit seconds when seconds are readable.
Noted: 9,19
